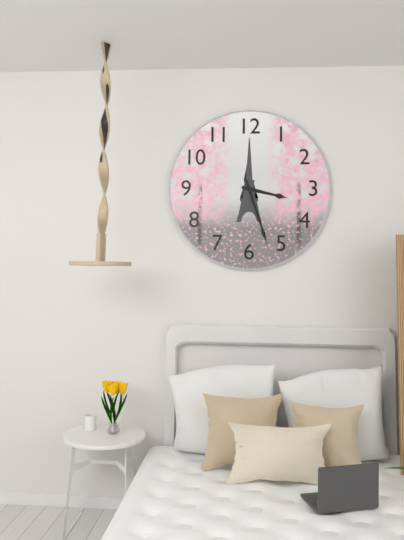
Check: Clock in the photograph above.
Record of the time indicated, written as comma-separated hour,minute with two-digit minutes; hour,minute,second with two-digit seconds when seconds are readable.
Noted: 3,27
